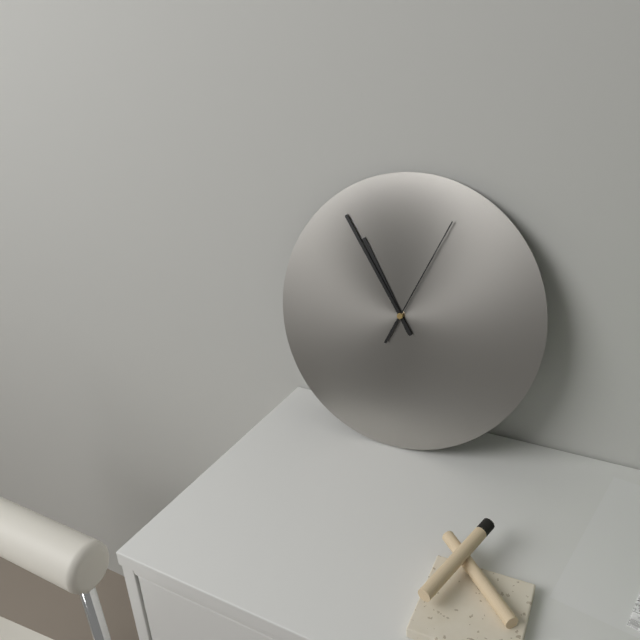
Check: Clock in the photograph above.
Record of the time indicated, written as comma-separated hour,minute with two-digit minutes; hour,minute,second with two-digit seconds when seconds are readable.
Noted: 10,54,04
